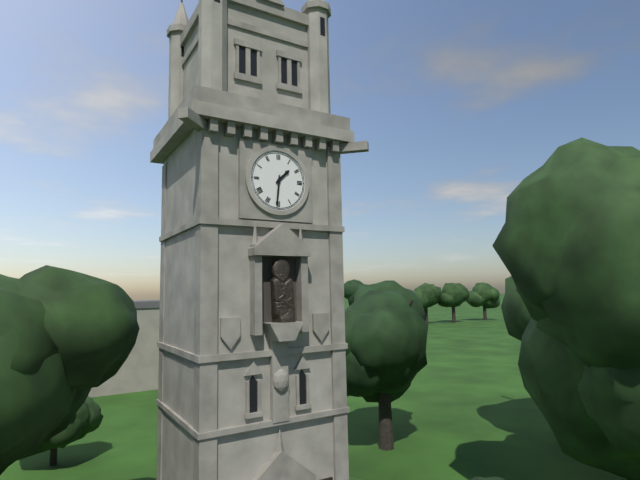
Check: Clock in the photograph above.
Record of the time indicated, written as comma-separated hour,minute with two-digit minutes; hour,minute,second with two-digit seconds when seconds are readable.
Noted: 1,31
